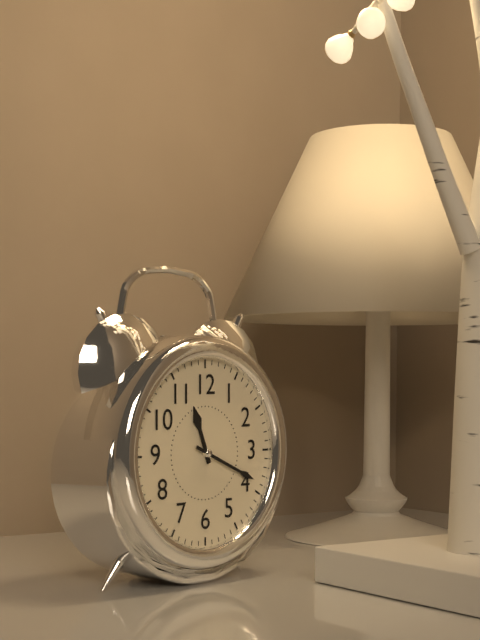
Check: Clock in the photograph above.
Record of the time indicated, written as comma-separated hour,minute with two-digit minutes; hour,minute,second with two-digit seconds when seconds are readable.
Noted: 11,19
